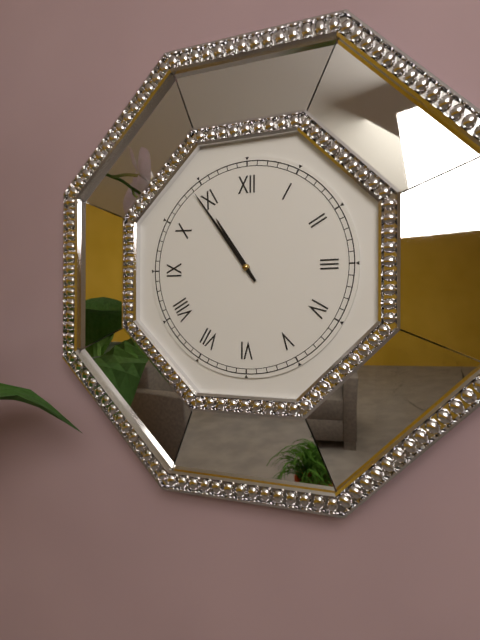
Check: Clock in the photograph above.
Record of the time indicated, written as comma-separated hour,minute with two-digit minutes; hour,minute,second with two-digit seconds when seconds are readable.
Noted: 10,54
